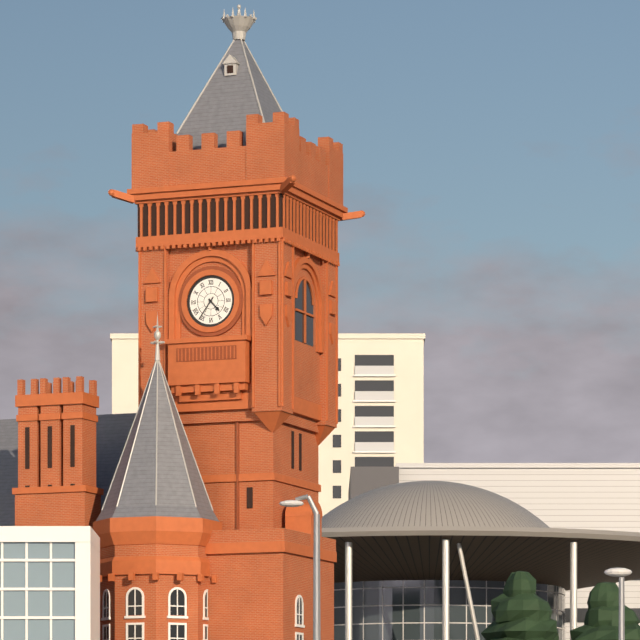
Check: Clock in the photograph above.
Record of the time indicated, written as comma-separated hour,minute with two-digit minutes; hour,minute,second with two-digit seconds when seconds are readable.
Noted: 4,36
